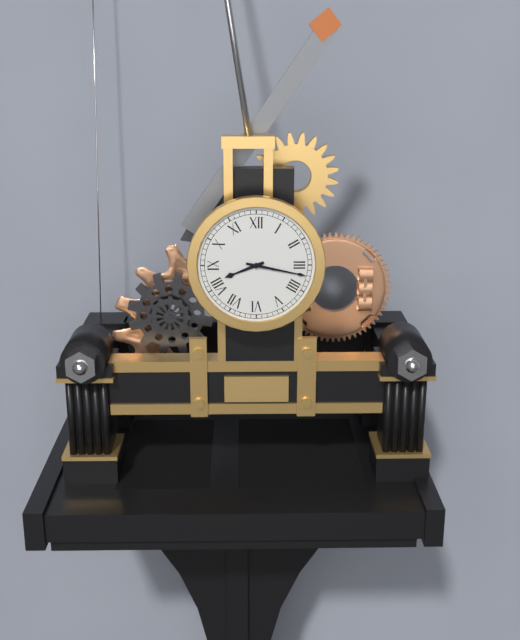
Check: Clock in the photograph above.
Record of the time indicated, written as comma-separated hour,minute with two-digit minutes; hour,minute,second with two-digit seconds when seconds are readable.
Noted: 8,17
